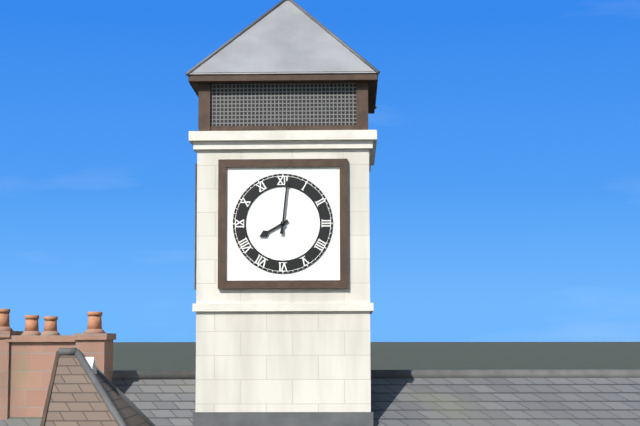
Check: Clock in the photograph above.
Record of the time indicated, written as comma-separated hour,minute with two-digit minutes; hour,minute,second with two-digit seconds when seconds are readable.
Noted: 8,01
